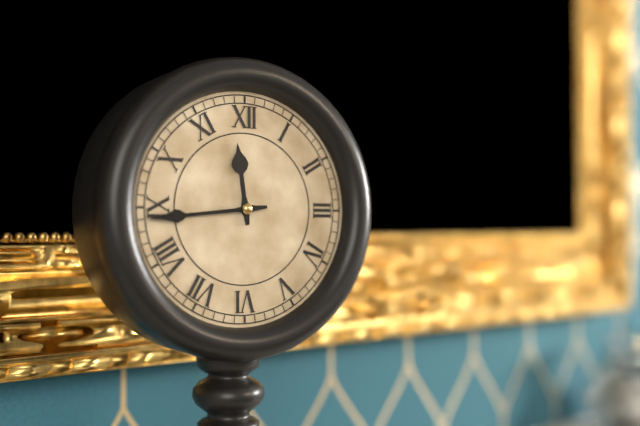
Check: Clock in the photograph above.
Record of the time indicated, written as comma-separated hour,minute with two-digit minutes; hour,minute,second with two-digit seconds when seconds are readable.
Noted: 11,44
